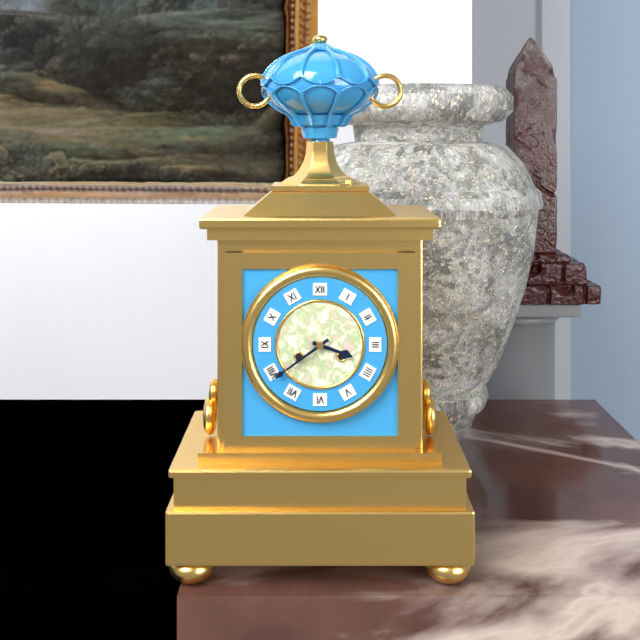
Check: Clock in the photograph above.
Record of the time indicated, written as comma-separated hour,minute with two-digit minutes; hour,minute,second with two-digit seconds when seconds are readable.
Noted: 3,39
